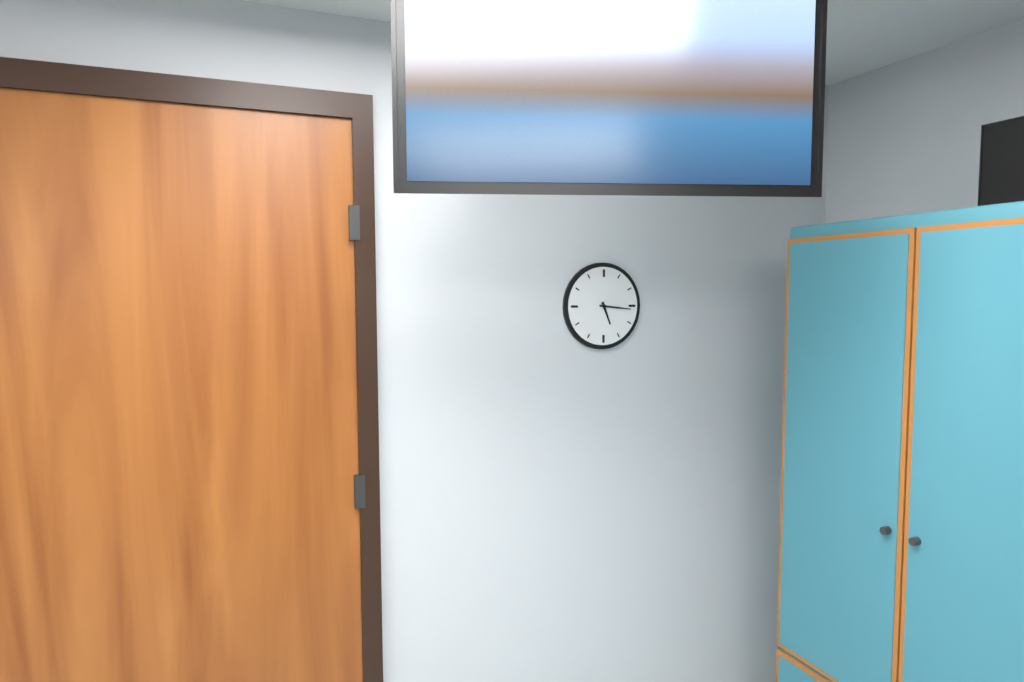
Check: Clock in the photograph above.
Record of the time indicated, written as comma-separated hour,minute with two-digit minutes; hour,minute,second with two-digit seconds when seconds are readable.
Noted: 5,16
